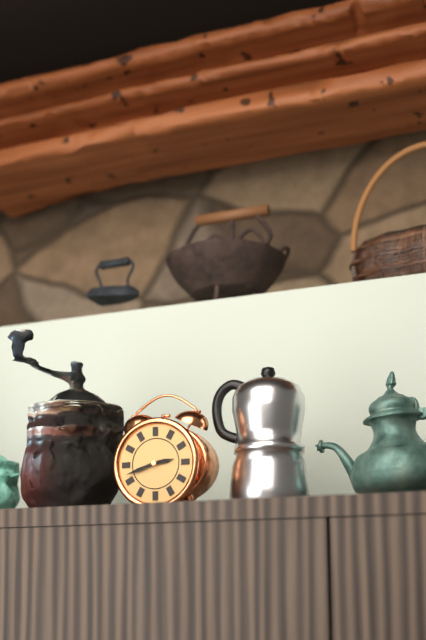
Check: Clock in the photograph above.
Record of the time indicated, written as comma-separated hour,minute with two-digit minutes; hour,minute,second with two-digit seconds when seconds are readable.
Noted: 2,42
